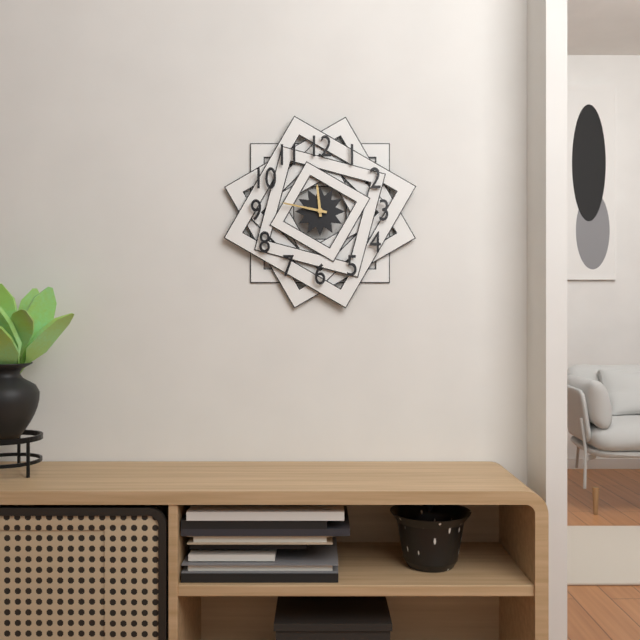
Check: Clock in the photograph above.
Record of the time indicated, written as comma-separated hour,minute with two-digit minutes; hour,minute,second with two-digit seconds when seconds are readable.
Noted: 11,47
